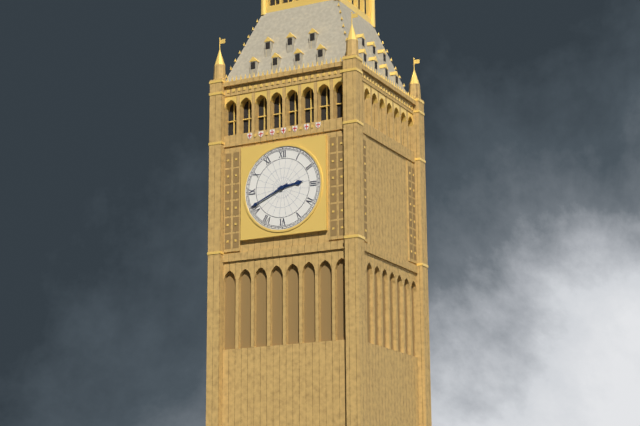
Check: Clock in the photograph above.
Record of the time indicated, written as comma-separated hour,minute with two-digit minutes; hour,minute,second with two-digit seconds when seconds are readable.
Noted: 2,41
